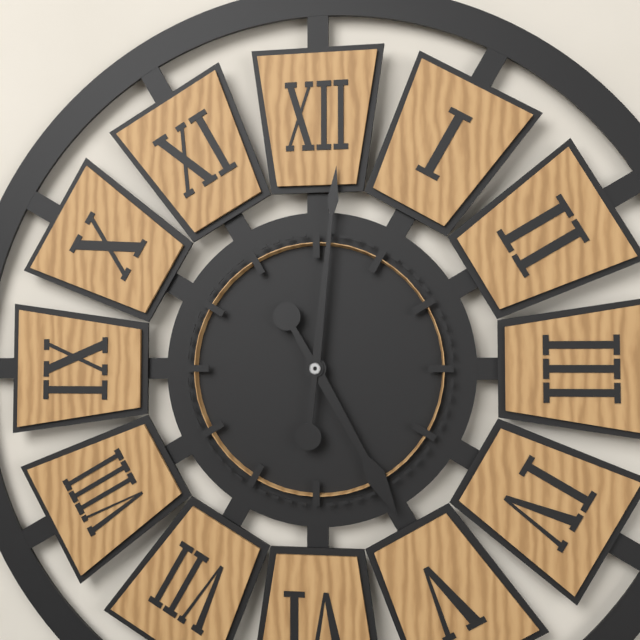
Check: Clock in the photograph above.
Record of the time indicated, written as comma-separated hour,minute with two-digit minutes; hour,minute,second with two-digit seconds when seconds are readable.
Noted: 5,01
